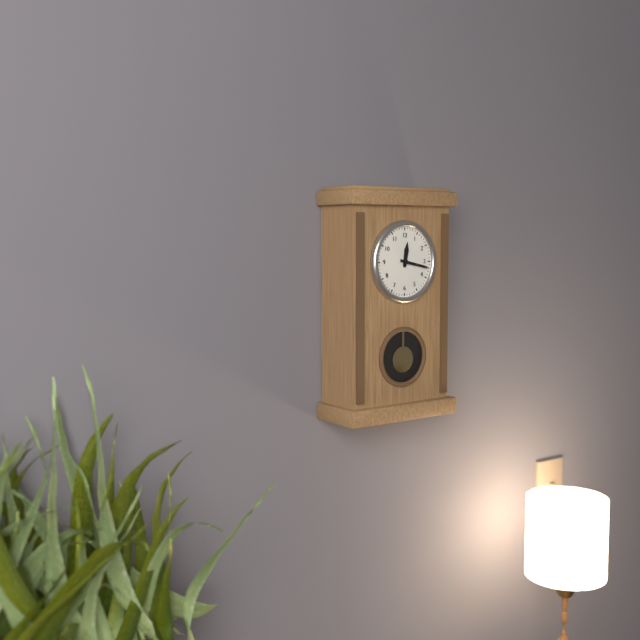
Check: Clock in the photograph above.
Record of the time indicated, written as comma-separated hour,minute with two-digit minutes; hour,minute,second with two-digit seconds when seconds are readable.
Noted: 12,17
